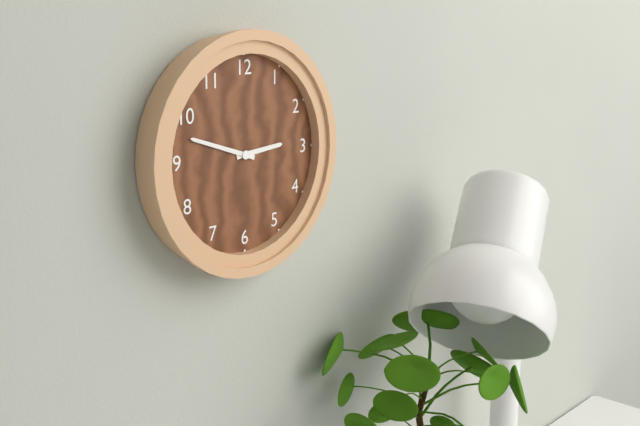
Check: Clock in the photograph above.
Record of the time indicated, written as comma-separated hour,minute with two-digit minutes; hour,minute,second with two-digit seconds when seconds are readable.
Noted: 2,48
